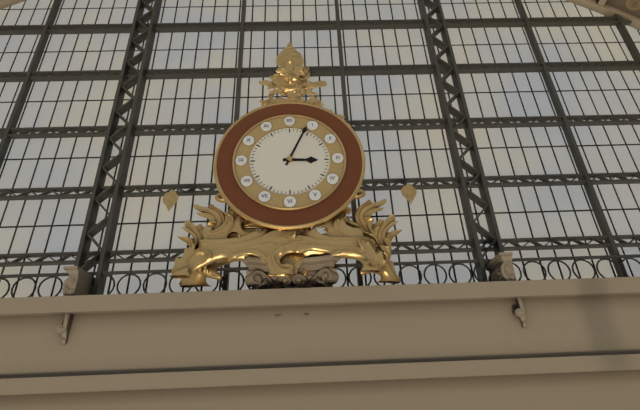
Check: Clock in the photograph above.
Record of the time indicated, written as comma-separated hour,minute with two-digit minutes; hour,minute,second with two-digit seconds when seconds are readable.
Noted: 3,04
